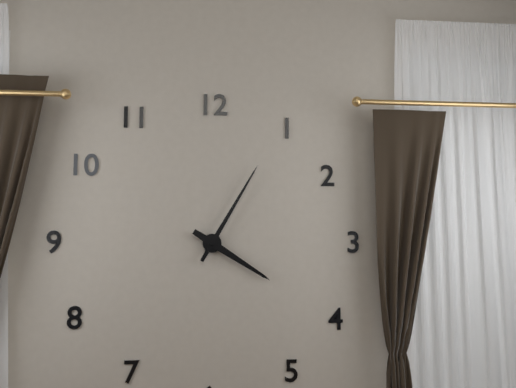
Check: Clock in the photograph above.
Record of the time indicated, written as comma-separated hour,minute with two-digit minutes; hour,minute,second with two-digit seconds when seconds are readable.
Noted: 4,05
